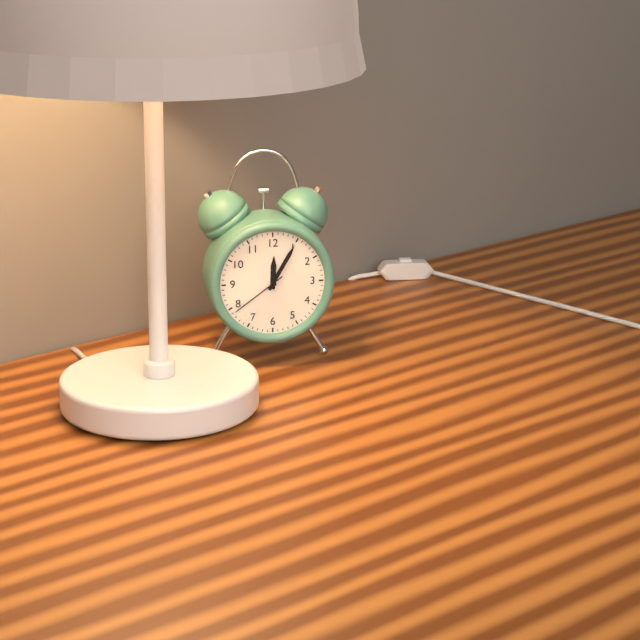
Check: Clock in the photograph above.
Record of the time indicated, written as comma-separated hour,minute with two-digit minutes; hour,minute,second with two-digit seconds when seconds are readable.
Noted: 12,05,39
